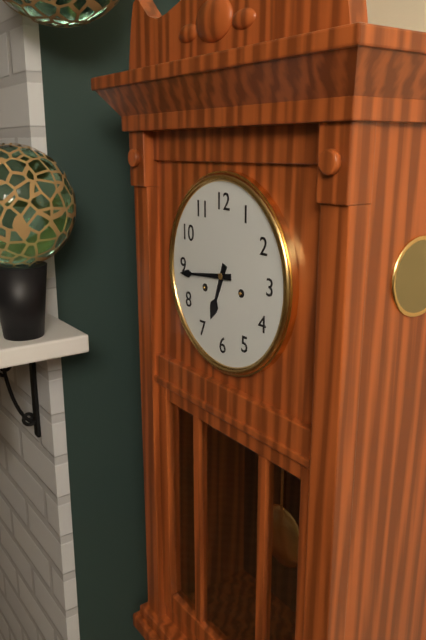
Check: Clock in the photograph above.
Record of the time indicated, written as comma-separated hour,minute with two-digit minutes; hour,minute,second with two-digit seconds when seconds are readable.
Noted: 6,44
